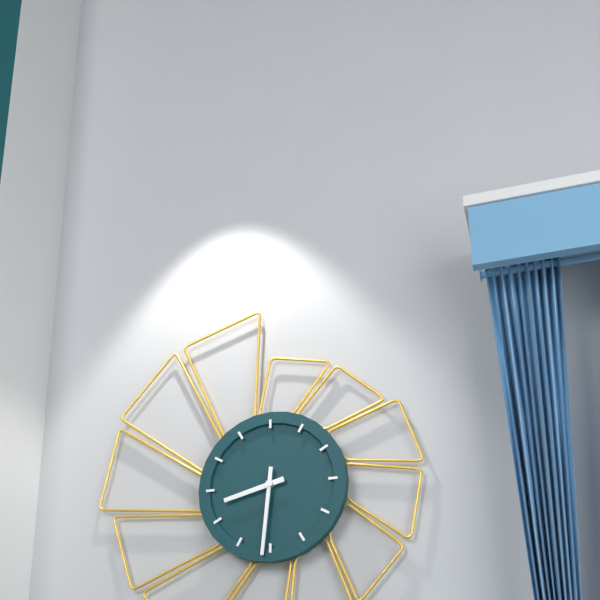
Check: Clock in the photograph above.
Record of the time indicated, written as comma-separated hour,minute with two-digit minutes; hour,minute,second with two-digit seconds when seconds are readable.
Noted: 8,31
